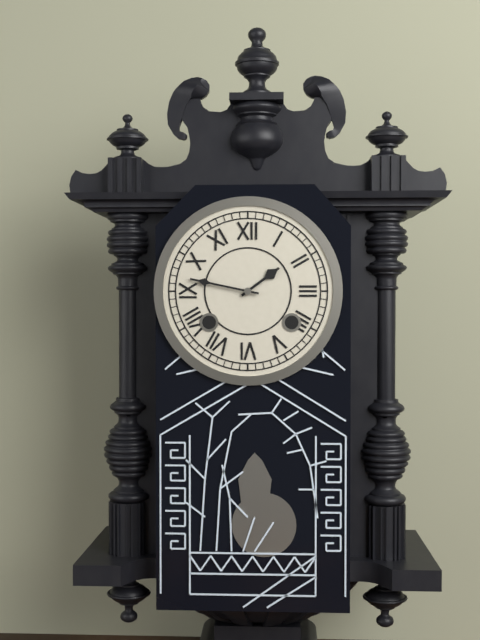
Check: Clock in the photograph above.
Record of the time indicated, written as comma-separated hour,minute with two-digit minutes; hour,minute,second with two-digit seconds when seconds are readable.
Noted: 1,47
